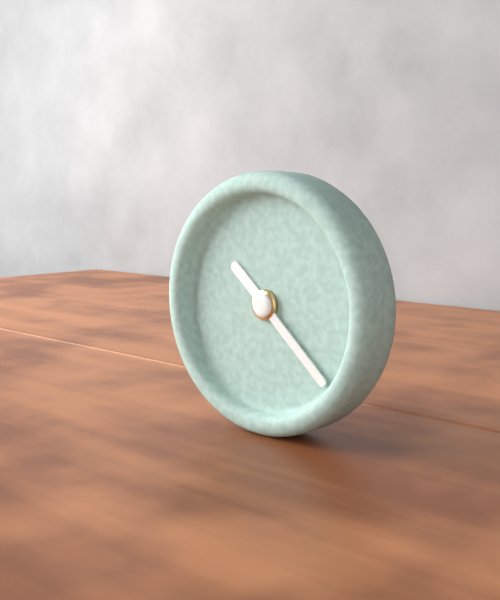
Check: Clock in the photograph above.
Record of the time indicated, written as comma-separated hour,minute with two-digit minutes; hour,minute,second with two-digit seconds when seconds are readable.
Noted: 10,22
